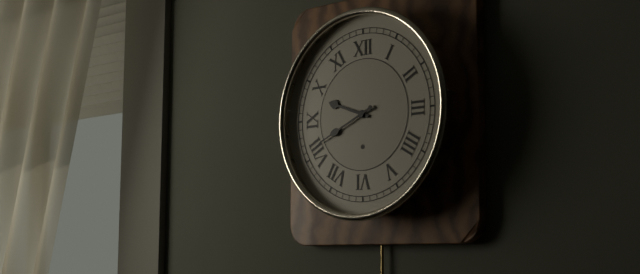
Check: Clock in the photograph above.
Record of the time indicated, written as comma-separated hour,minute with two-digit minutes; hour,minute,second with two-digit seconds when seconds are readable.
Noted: 9,41
